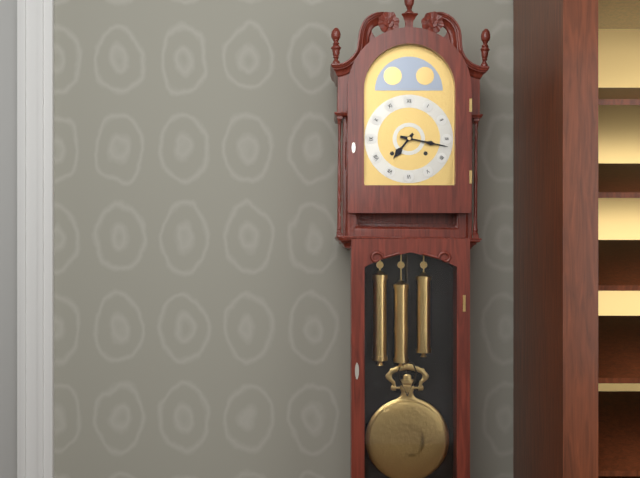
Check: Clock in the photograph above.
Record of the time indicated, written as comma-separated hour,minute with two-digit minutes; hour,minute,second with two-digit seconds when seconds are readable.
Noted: 7,17
